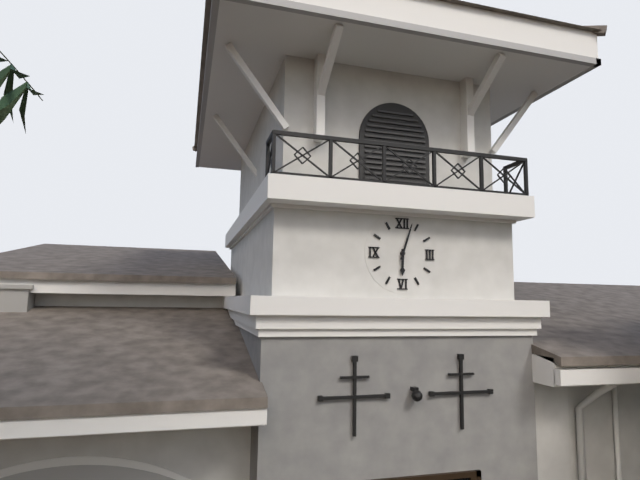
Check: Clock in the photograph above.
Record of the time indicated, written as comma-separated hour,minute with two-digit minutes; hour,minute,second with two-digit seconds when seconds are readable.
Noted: 6,03
